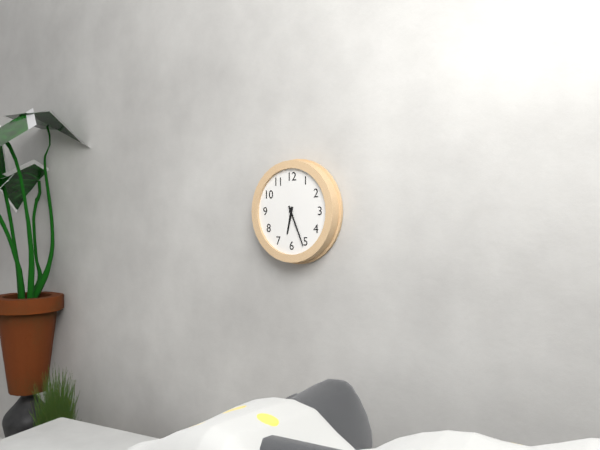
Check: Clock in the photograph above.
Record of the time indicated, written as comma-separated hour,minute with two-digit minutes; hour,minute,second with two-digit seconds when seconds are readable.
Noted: 6,26
